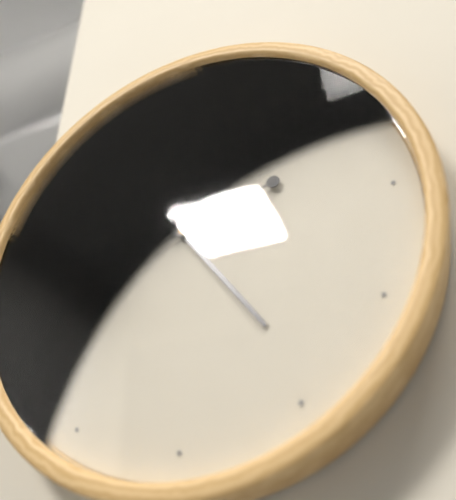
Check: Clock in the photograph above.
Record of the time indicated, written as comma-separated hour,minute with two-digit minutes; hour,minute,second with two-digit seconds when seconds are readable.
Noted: 4,49,42
